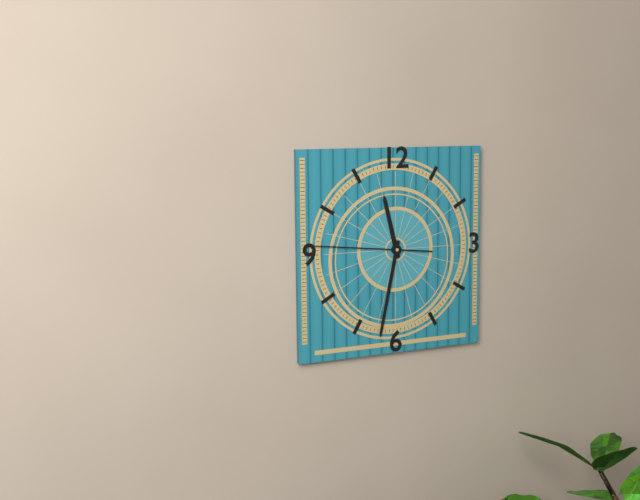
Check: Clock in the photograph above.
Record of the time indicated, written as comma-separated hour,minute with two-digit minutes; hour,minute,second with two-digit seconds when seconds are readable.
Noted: 11,32,46
